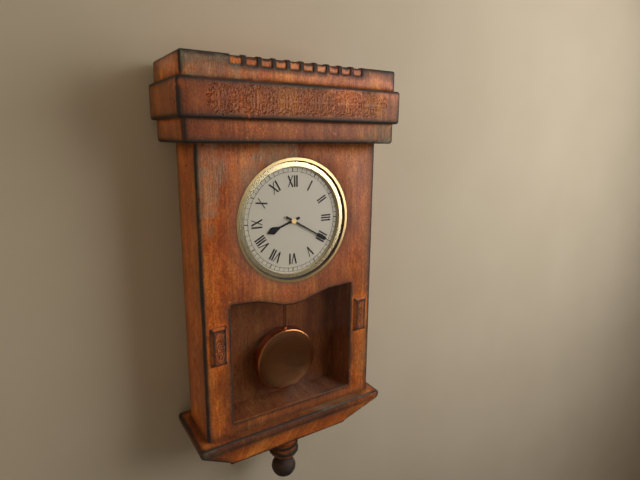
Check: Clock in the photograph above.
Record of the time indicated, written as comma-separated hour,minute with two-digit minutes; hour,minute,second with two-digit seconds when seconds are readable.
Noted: 8,20
